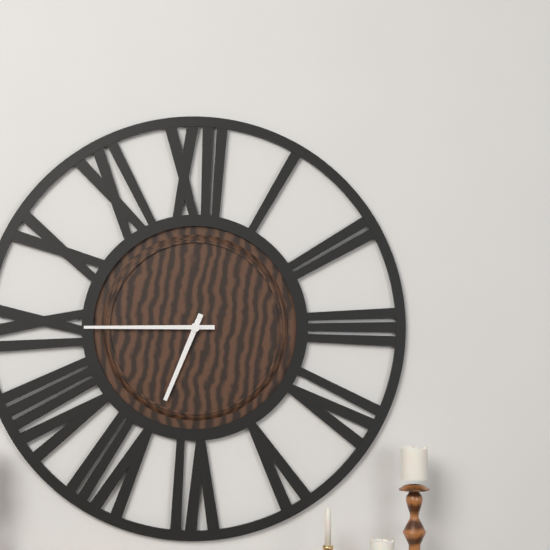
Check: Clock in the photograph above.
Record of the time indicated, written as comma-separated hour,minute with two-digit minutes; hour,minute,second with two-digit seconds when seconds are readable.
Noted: 6,45
